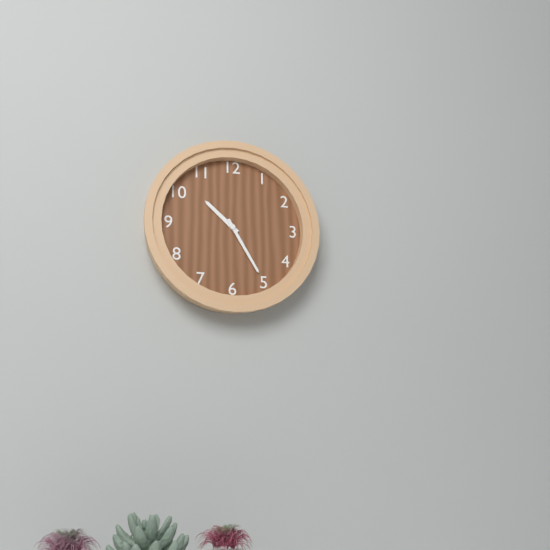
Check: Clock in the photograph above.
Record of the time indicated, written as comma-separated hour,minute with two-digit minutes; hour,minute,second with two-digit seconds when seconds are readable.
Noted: 10,25
